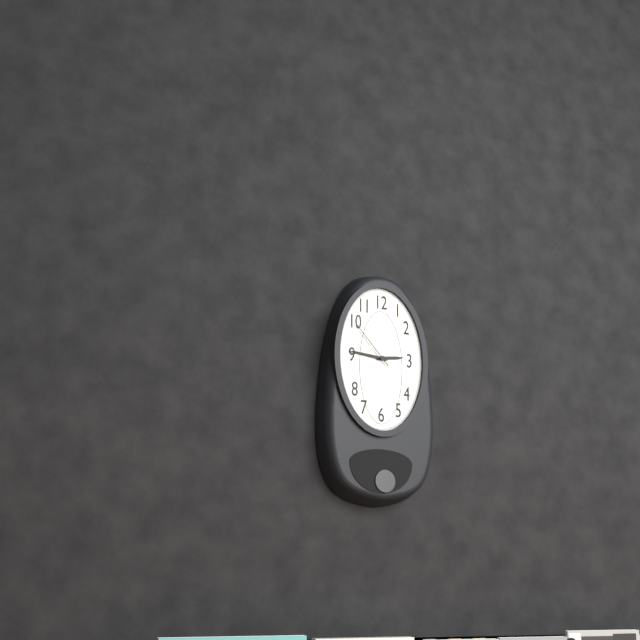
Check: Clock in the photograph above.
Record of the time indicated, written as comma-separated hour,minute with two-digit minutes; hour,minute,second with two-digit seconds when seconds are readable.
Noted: 2,46,53
